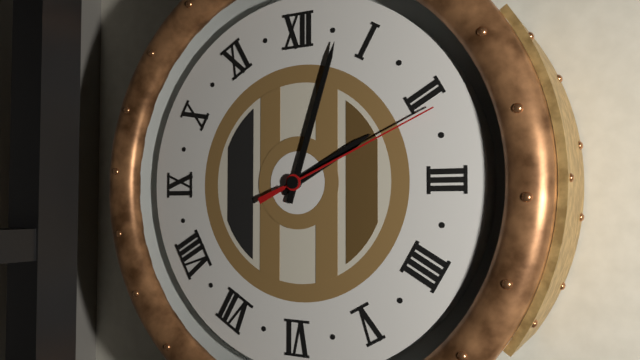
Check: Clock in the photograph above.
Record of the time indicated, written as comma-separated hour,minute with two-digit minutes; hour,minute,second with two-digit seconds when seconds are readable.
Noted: 2,03,11
